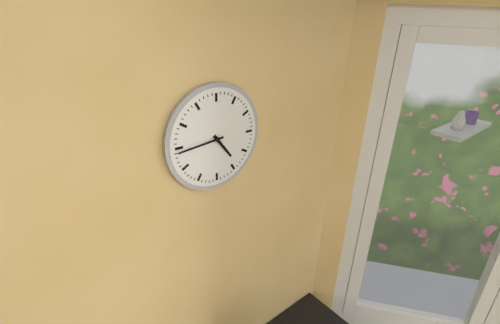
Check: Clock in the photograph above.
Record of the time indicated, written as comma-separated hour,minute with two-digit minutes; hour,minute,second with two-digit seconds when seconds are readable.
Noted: 4,44
